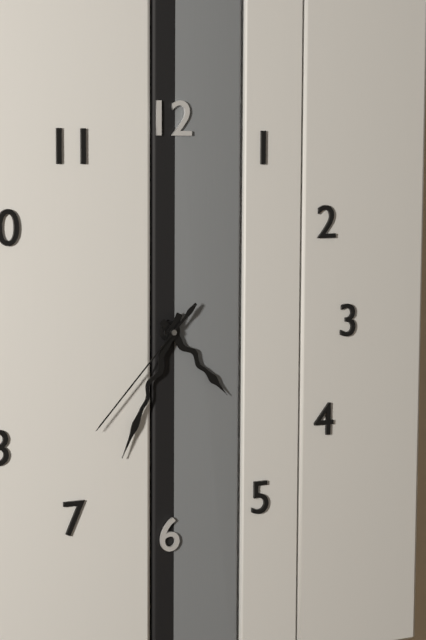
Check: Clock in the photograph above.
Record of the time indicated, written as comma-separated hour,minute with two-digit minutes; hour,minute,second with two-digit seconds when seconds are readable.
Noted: 4,34,37
